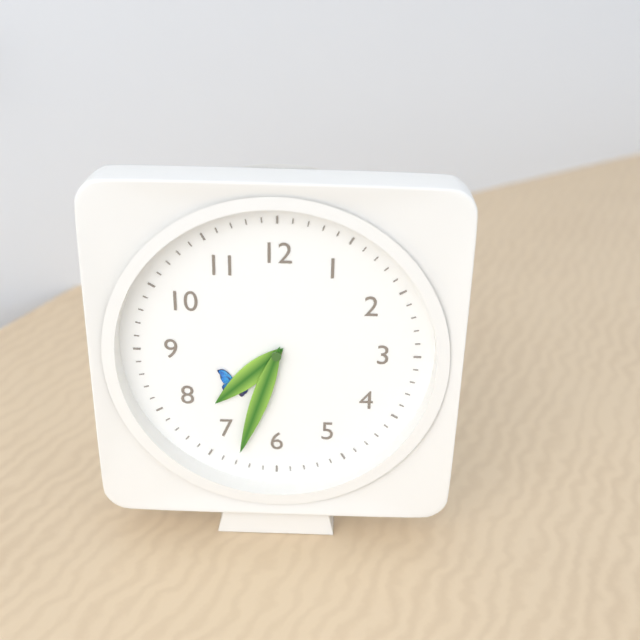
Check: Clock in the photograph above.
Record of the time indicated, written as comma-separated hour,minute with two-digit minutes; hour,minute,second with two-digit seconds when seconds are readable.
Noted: 7,33
